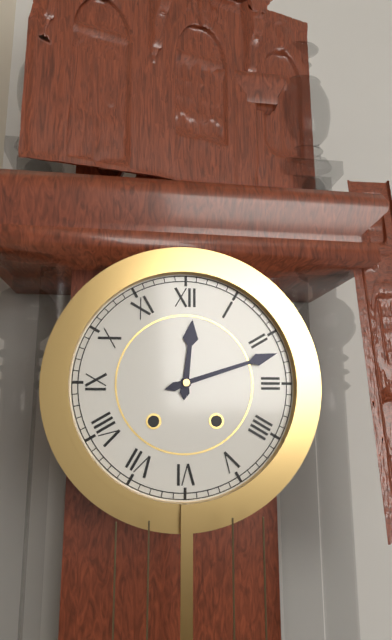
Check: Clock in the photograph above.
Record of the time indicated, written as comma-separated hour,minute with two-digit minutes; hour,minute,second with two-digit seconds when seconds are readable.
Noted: 12,12
